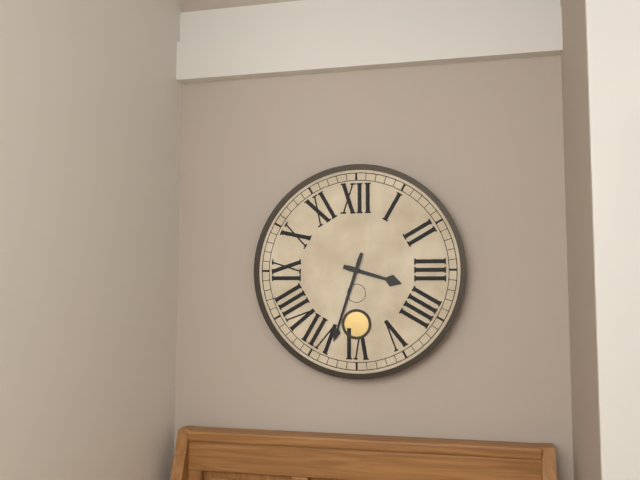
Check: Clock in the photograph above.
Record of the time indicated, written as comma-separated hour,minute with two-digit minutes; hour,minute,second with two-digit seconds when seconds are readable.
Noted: 3,33
